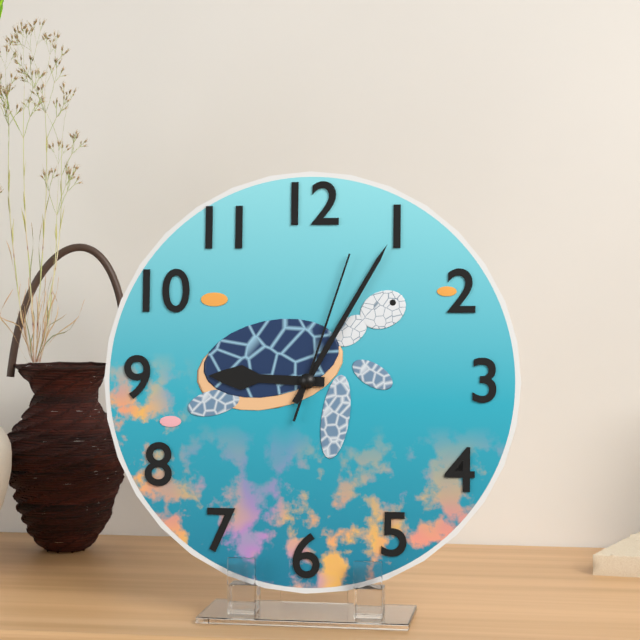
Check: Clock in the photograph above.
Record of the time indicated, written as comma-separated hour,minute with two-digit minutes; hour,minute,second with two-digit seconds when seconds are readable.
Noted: 9,05,03
